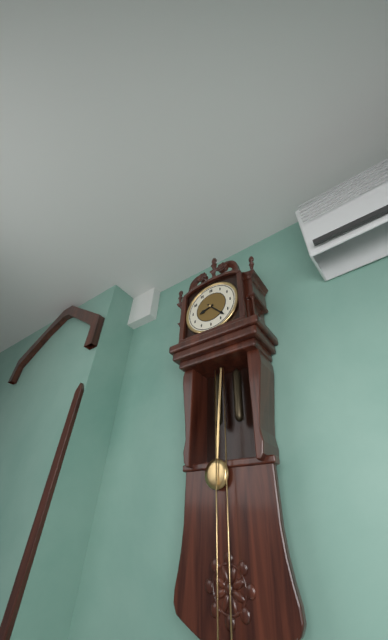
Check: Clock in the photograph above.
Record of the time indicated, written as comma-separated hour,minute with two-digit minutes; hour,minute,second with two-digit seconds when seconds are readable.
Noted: 8,23
